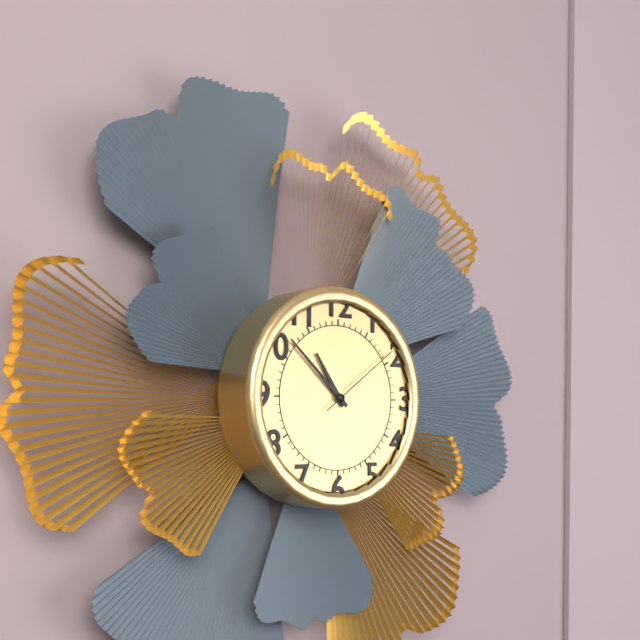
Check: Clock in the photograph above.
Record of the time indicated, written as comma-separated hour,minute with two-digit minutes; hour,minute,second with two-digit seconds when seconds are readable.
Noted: 10,52,09
